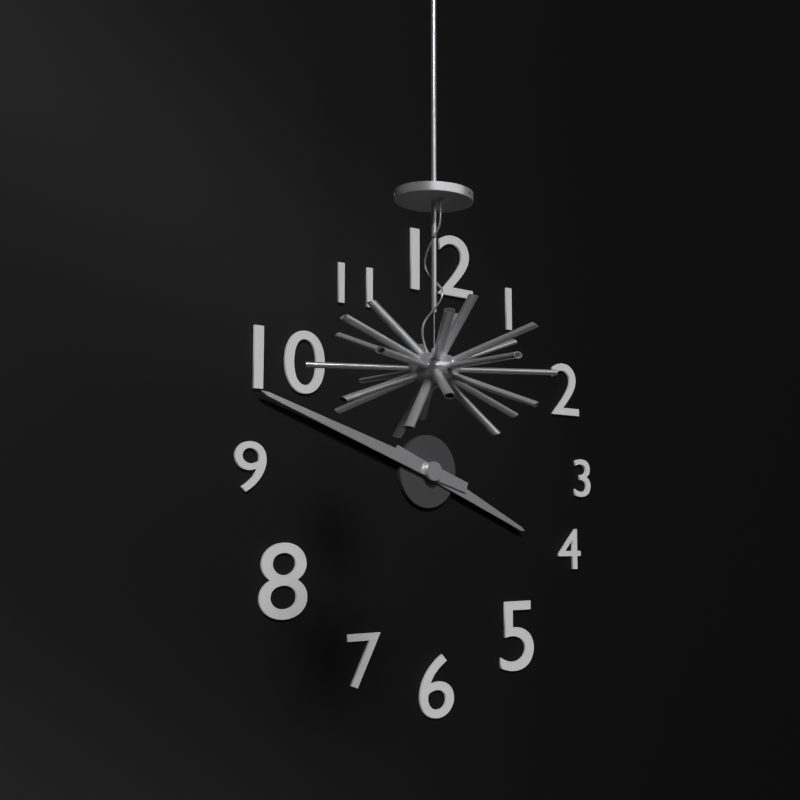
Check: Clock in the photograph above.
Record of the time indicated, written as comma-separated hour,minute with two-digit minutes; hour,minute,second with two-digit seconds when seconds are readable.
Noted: 3,48
